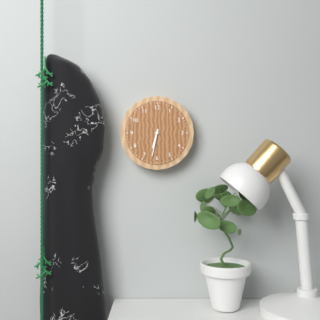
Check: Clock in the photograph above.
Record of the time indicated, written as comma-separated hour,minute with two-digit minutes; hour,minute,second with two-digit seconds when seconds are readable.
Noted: 6,32
